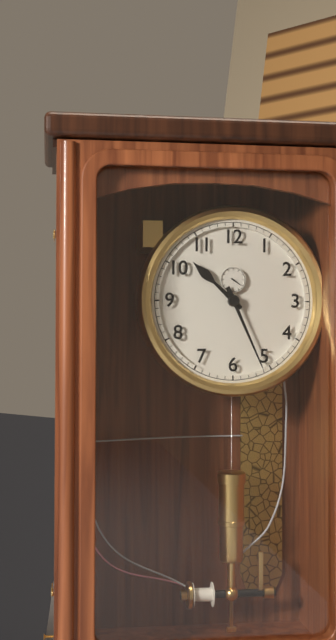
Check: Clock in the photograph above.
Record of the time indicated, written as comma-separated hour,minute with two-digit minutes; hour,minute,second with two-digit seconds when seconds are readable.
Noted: 10,26
